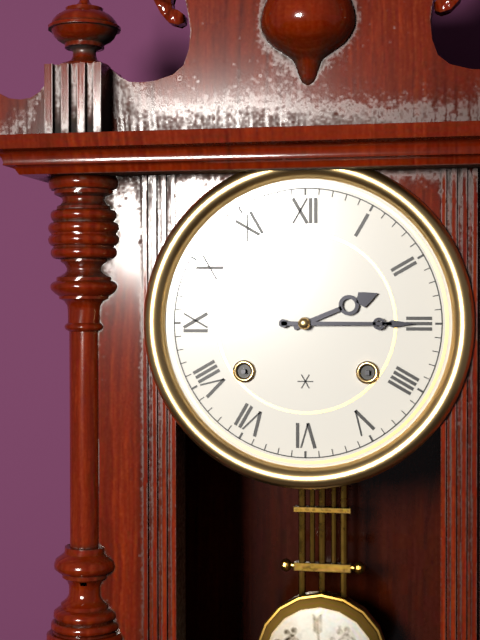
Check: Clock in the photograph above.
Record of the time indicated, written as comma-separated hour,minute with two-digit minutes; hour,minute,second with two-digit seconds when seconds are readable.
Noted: 2,15
